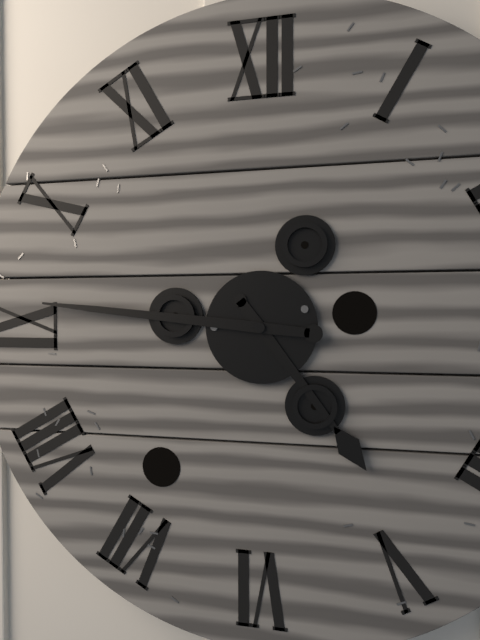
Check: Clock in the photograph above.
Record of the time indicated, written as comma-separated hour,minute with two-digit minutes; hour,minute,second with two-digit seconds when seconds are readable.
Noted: 4,46
